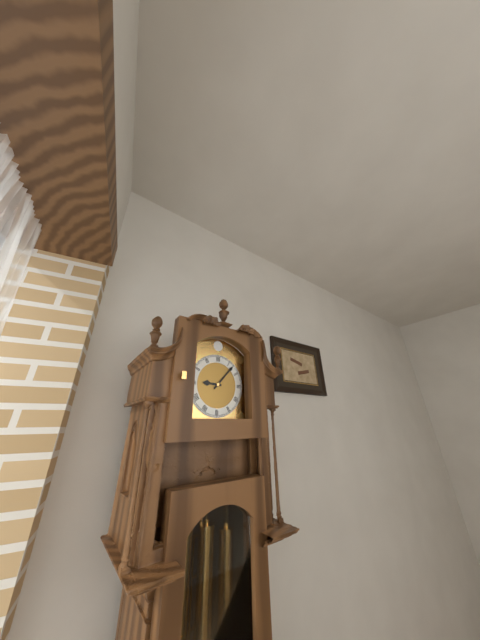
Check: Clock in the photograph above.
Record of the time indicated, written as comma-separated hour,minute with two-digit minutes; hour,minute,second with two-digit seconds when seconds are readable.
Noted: 9,07
